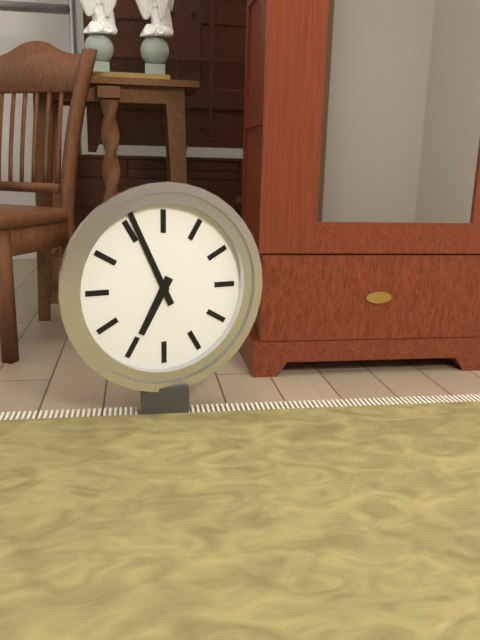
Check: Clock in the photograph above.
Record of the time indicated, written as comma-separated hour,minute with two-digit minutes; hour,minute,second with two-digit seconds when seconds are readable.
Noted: 6,56
